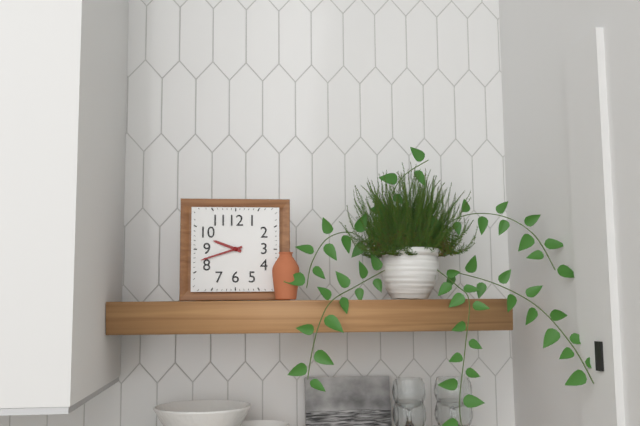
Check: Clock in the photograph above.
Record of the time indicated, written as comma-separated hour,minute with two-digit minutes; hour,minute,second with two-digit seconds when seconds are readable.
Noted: 9,42
